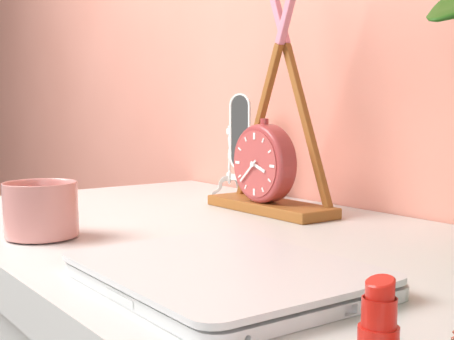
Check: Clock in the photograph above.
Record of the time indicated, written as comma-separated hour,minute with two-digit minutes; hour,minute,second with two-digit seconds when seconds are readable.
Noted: 3,38
